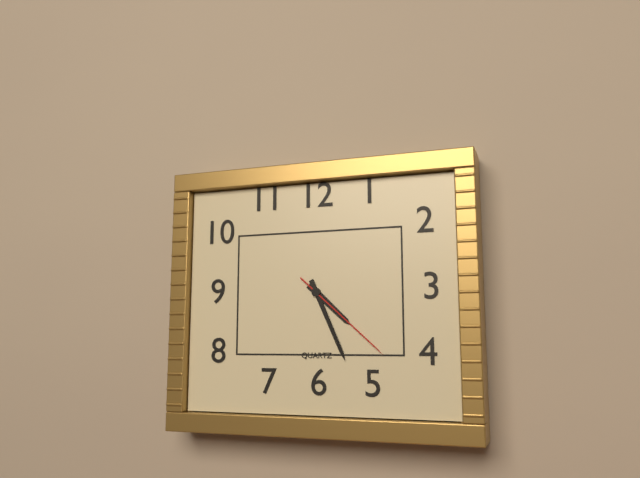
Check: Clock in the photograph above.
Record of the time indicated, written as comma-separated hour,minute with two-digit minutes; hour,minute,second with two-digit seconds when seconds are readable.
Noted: 4,26,22
